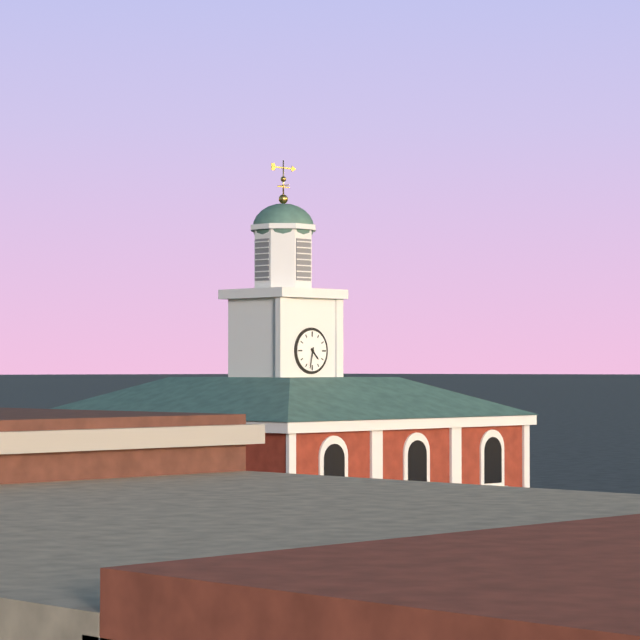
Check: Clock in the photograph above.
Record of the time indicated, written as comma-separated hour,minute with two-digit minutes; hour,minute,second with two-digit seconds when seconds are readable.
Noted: 4,32
